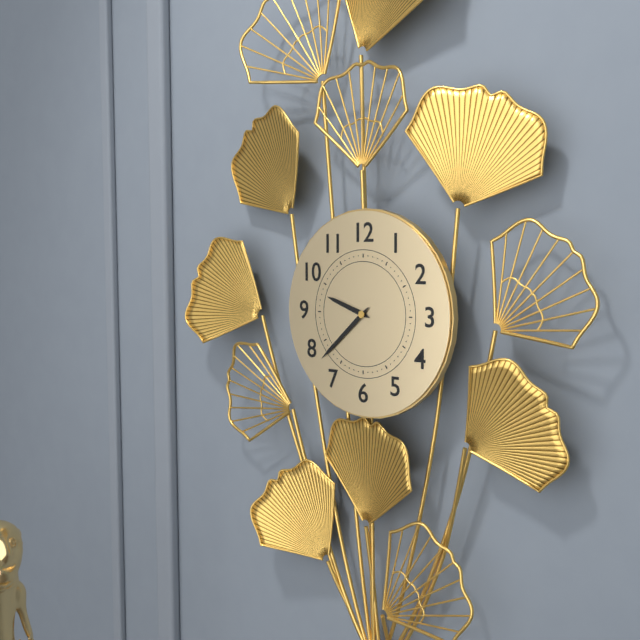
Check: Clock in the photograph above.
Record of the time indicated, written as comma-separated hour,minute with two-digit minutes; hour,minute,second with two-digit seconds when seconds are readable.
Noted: 9,38
